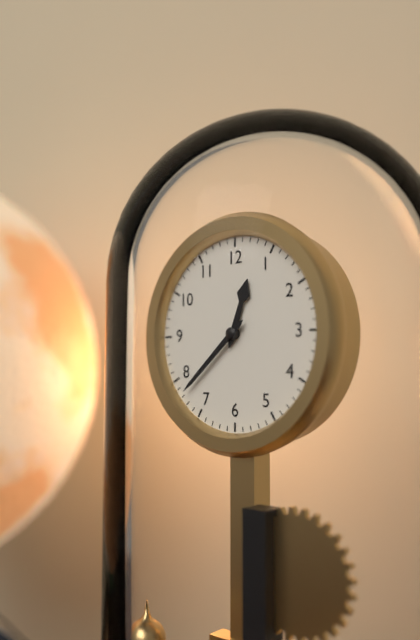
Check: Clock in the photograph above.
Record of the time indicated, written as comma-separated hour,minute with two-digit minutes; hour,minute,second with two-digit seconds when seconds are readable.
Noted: 12,38
